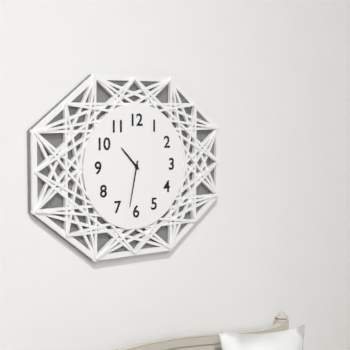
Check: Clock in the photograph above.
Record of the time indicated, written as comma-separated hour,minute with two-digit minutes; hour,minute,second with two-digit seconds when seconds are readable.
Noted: 10,32
